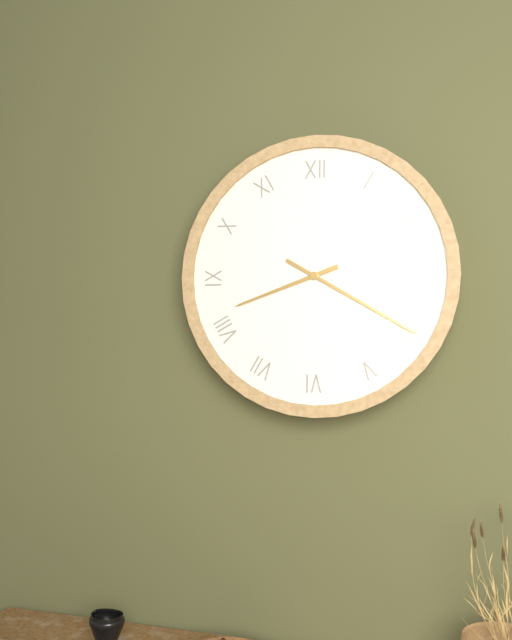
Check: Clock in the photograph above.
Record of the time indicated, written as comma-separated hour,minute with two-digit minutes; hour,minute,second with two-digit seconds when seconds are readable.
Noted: 8,20
